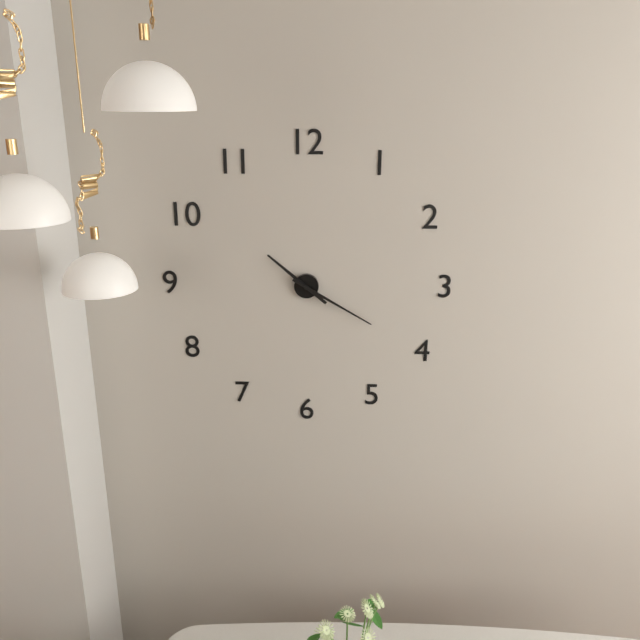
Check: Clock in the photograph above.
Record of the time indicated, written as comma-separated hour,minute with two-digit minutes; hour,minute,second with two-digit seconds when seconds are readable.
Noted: 10,20
